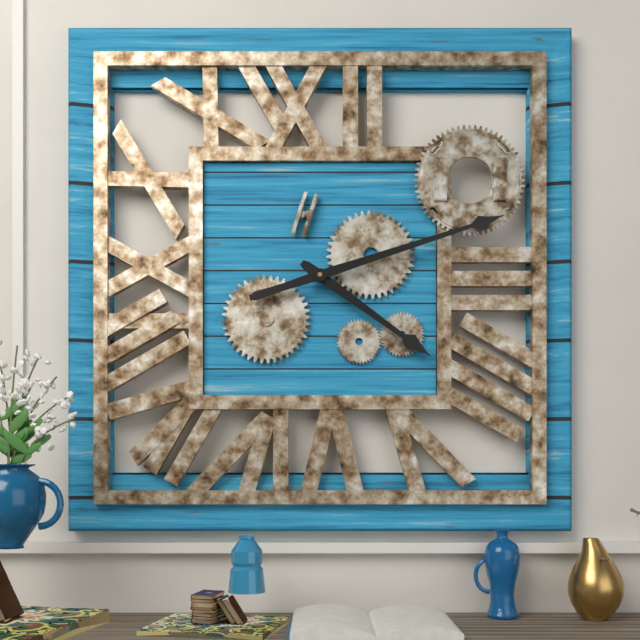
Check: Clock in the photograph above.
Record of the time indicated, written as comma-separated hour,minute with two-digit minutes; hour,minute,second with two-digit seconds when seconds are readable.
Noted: 4,12
